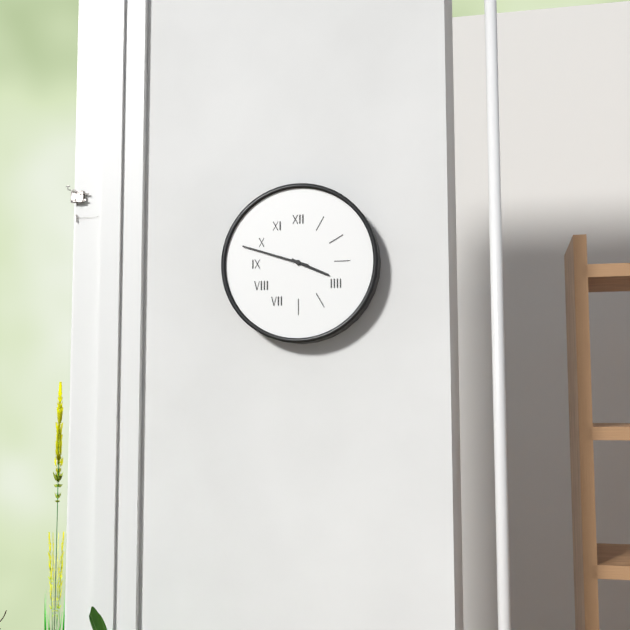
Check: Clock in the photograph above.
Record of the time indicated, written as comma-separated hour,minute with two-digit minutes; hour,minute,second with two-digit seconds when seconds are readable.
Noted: 3,48
